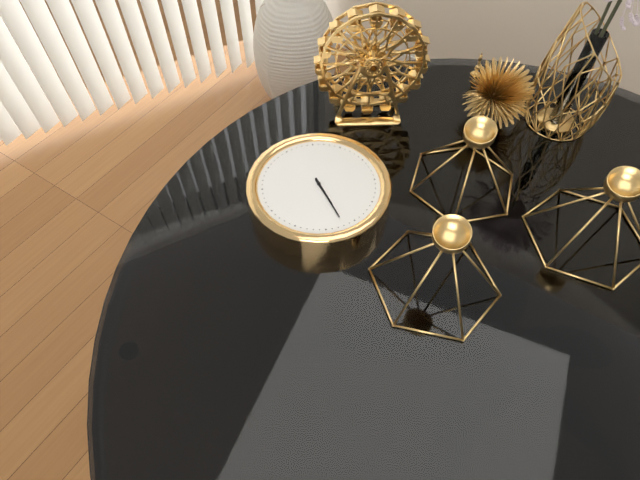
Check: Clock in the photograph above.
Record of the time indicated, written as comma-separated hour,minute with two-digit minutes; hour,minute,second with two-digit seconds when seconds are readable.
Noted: 4,22
